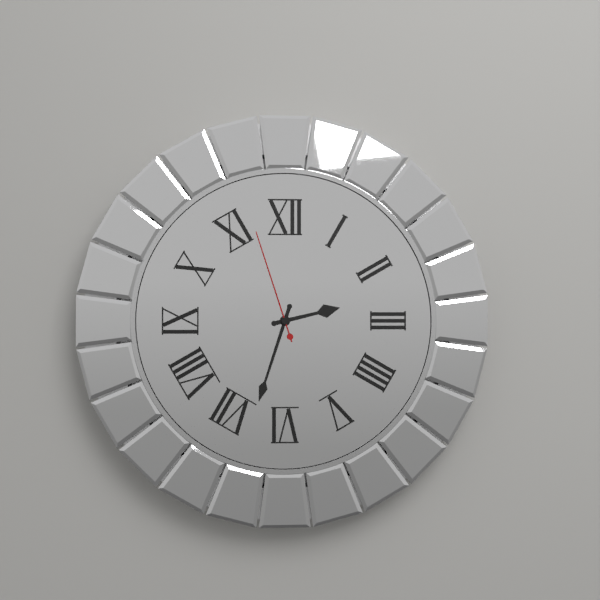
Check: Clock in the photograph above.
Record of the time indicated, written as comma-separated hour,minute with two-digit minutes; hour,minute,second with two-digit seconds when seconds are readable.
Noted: 2,33,57
